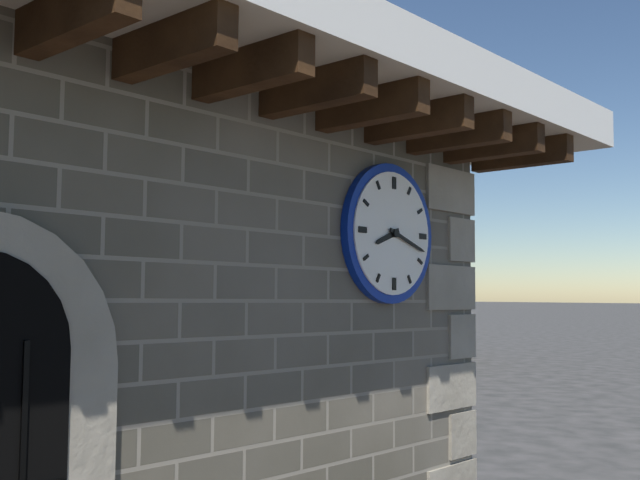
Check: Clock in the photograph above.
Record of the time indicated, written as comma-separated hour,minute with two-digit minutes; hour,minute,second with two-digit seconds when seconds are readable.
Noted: 8,18
